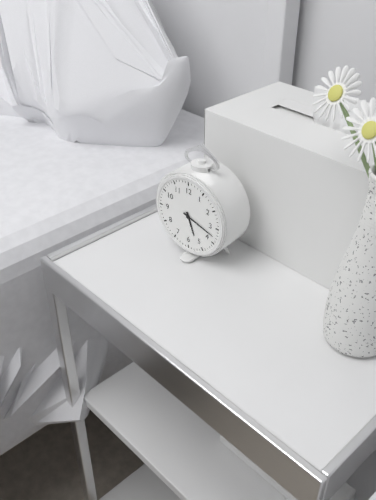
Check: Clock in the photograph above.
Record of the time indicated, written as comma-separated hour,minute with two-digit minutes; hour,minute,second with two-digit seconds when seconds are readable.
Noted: 5,18
